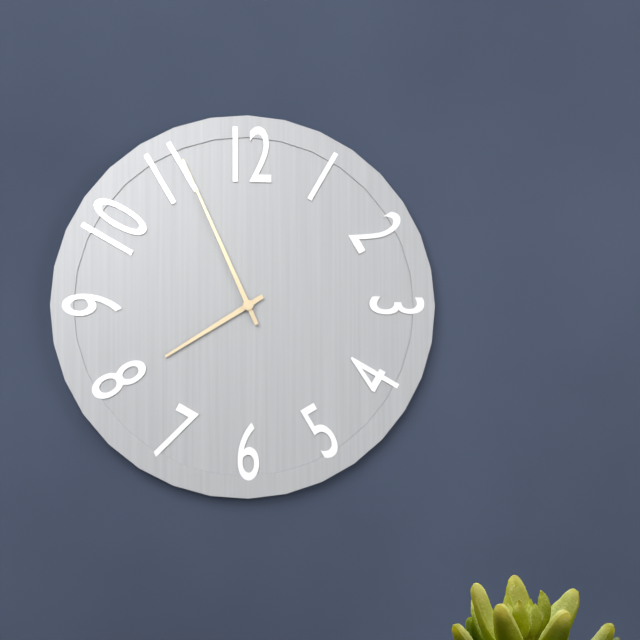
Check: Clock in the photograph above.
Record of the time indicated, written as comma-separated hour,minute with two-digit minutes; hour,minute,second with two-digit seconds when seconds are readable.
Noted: 7,56
